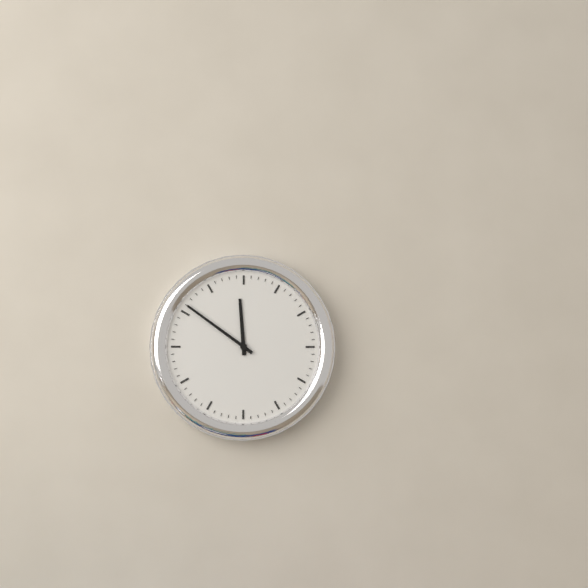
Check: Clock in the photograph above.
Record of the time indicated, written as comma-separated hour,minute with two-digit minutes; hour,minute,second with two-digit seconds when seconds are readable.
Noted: 11,51
